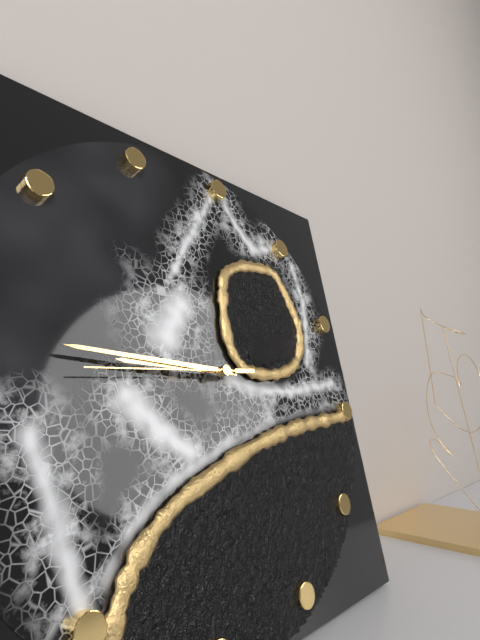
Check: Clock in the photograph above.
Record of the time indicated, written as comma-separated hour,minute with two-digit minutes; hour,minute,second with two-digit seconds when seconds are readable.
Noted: 8,44,43
